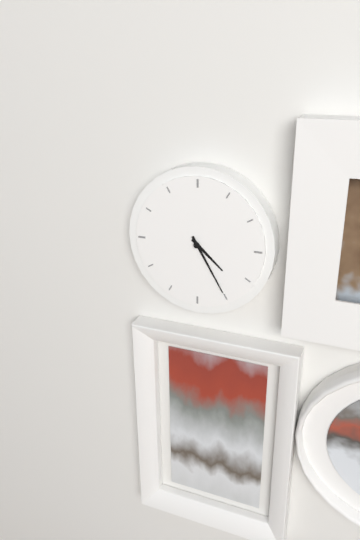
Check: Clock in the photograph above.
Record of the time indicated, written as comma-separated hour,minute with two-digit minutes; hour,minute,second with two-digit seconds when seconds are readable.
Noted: 4,25
